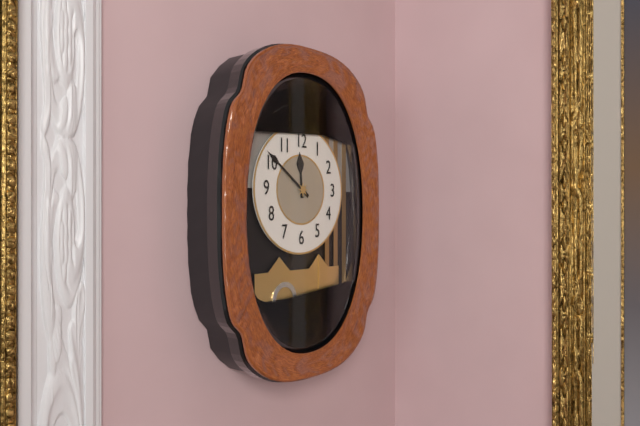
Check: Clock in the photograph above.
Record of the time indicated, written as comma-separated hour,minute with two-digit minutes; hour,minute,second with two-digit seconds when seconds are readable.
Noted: 11,51
